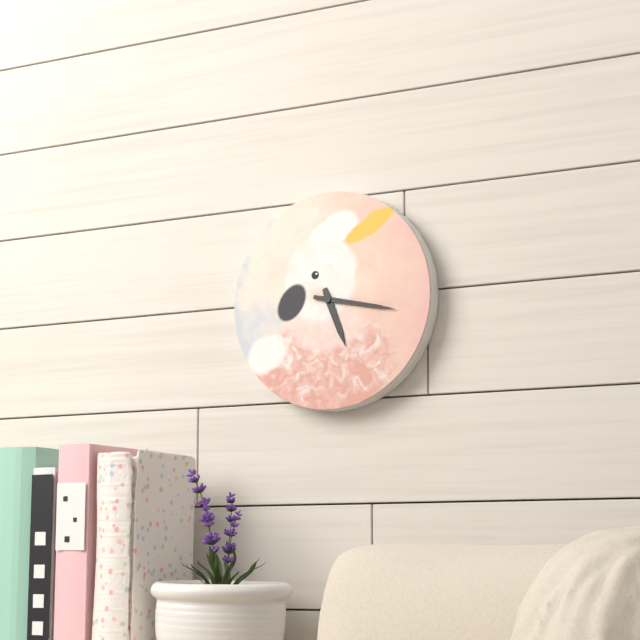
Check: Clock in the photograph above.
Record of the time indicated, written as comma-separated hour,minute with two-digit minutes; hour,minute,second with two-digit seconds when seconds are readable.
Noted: 5,17
